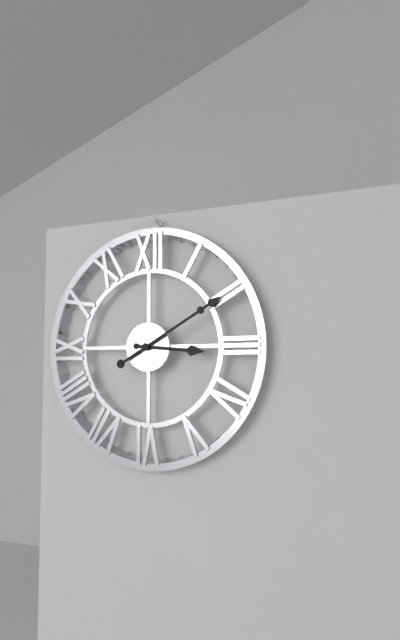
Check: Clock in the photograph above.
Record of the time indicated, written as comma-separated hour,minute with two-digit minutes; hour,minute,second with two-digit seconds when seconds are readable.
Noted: 3,10
